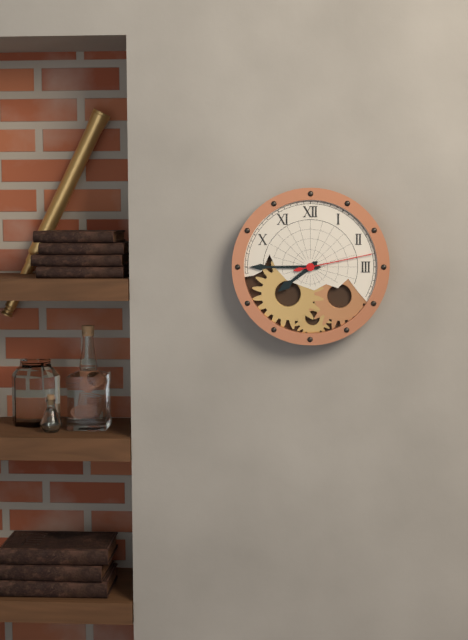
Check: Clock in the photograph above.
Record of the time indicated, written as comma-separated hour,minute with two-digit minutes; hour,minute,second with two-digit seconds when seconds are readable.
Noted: 7,45,13
